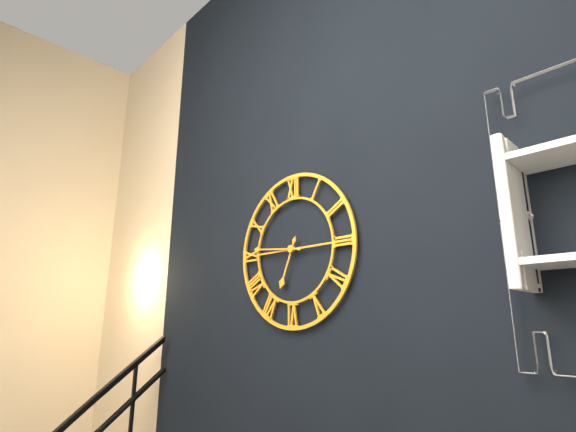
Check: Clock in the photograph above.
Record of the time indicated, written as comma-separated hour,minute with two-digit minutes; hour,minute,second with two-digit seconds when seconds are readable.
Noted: 6,46
